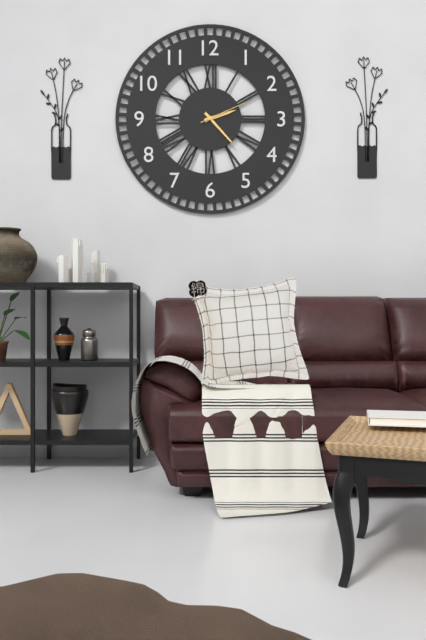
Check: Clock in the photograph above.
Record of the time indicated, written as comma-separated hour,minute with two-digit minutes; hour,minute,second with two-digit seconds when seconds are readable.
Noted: 2,23,11
